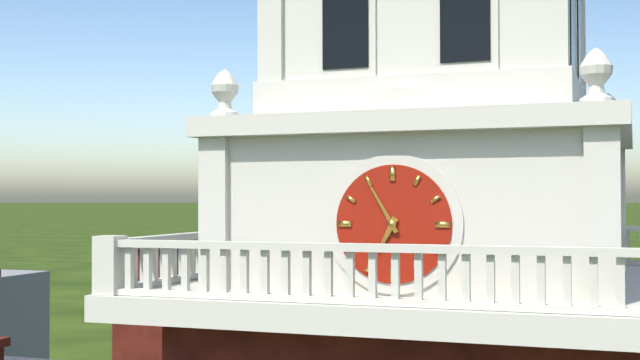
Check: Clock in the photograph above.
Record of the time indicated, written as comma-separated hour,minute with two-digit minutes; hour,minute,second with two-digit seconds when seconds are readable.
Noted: 6,55
